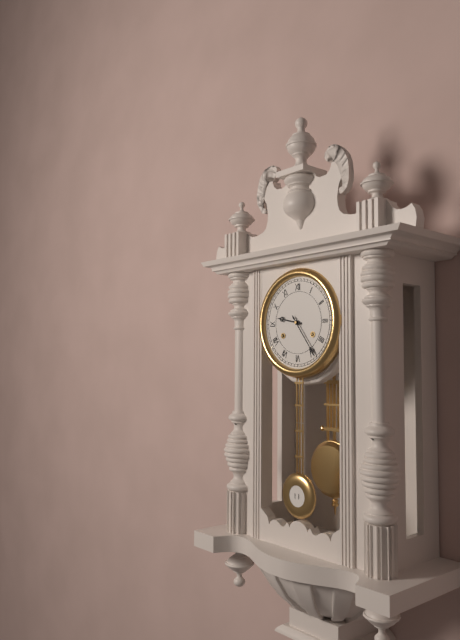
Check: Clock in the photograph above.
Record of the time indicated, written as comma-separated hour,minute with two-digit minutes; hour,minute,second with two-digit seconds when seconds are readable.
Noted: 9,24
